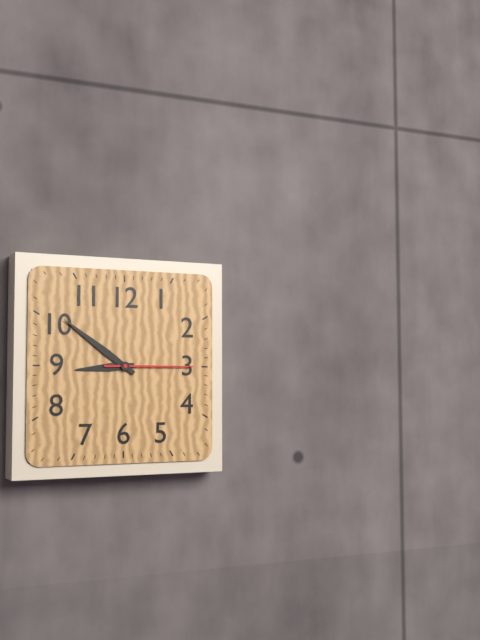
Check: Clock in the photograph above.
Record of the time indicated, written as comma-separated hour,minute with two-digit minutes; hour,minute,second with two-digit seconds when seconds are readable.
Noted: 8,51,15
